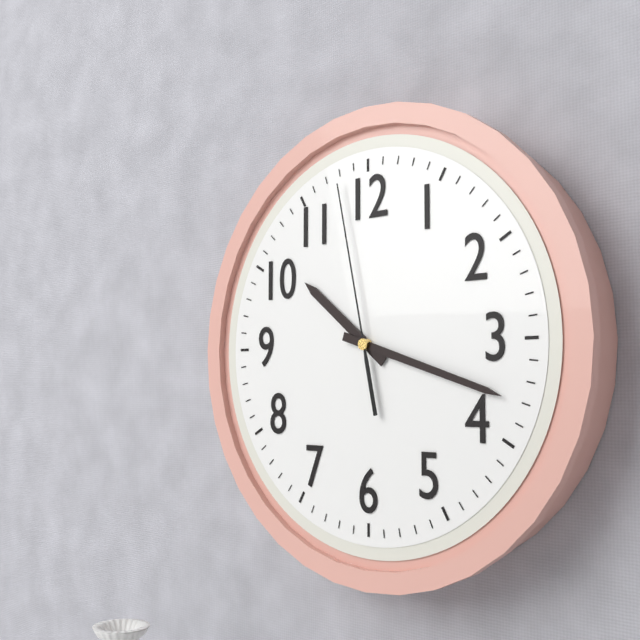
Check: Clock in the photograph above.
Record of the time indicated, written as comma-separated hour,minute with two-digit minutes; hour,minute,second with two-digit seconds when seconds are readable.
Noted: 10,18,58
